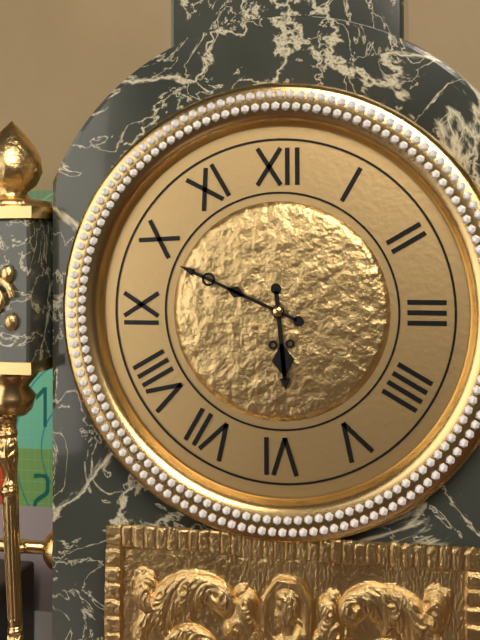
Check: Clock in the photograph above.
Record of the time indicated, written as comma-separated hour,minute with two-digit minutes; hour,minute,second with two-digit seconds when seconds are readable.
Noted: 5,49
